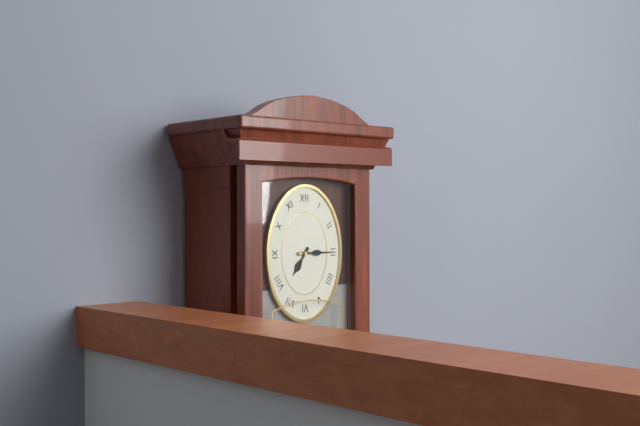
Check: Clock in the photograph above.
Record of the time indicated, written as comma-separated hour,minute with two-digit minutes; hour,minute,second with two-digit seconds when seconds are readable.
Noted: 7,15
